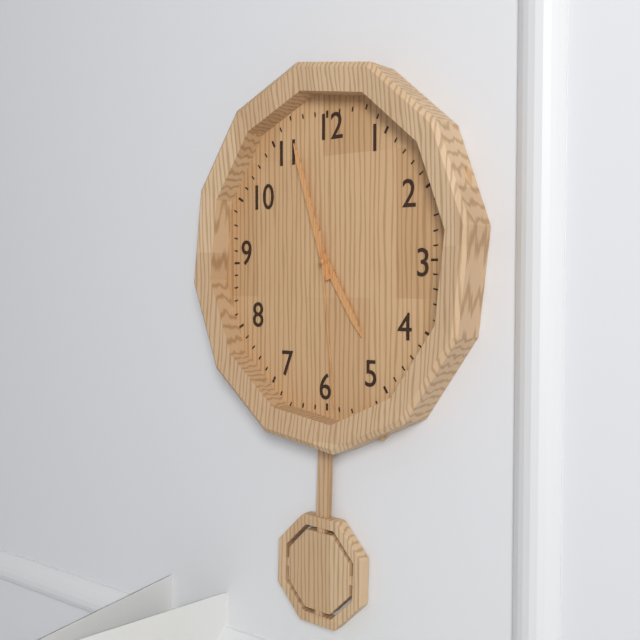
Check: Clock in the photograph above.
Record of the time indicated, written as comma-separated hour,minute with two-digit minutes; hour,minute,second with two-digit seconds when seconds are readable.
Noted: 4,57,29
